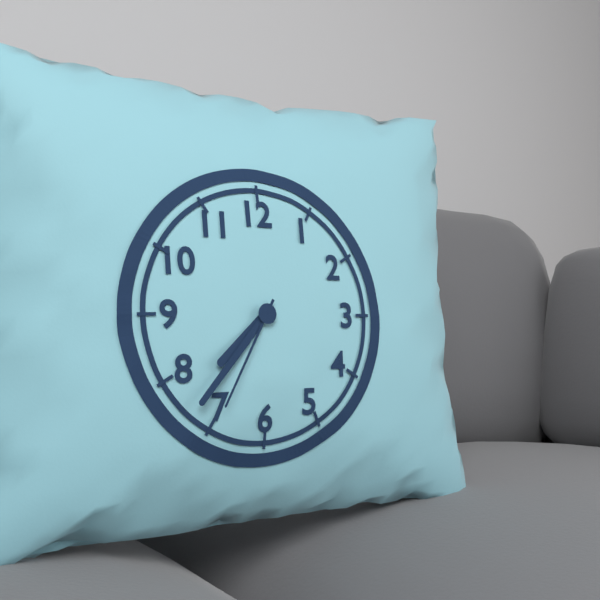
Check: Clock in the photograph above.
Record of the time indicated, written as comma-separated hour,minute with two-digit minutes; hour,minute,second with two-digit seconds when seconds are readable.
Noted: 7,37,35
